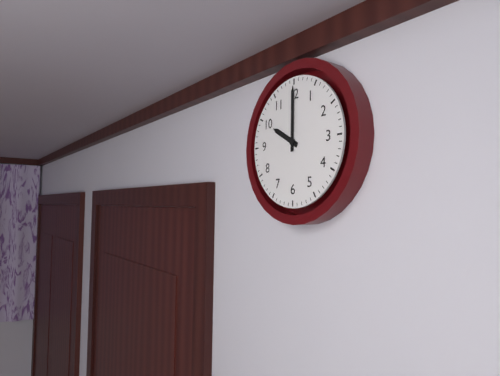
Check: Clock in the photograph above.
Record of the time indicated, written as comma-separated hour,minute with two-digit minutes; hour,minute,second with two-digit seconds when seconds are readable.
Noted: 10,00
